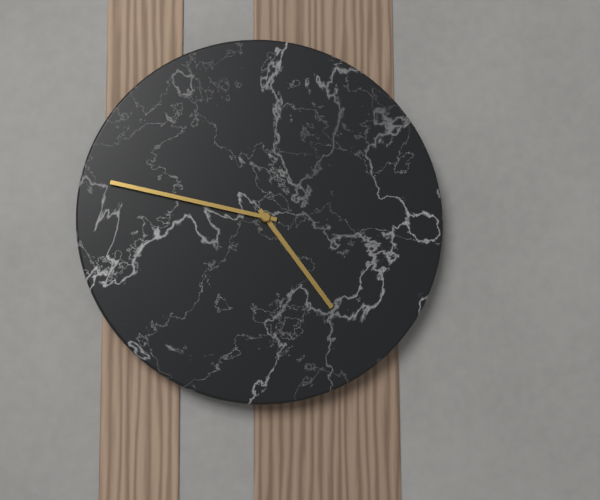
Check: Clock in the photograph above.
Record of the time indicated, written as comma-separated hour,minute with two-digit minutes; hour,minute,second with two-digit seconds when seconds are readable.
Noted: 4,47
